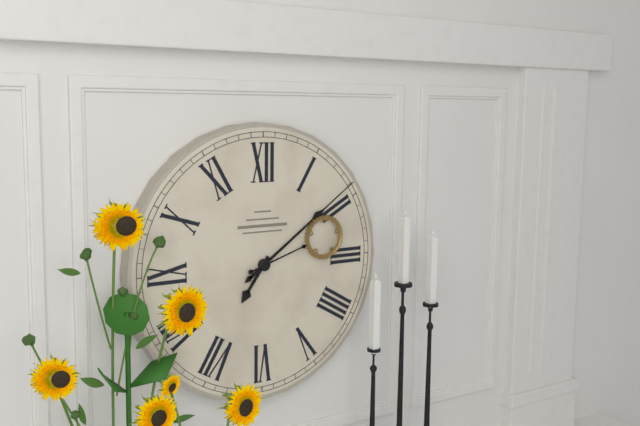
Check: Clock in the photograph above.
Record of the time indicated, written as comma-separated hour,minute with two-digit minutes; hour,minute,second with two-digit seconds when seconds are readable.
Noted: 7,09,12
